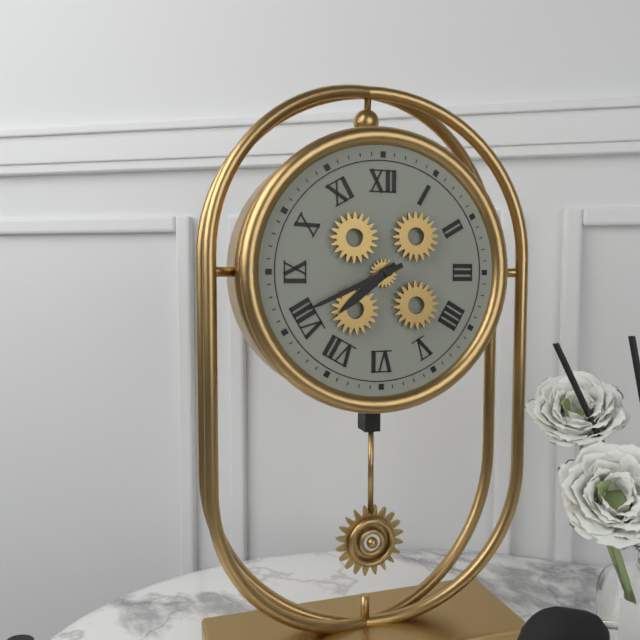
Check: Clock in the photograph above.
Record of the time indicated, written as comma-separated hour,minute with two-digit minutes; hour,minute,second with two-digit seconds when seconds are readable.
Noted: 7,41
